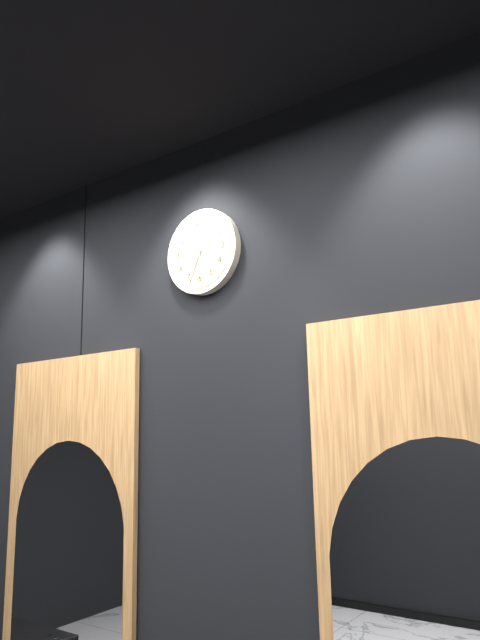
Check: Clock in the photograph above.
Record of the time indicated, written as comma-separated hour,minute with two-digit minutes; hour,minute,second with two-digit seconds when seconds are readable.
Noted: 1,34
